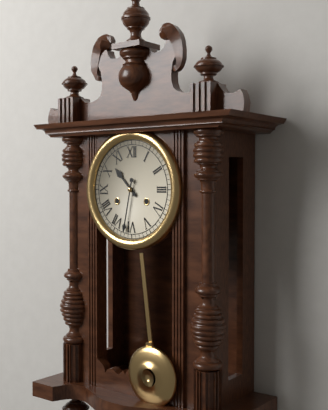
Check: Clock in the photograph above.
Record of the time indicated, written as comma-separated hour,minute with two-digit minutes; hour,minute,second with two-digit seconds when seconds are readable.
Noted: 10,32
